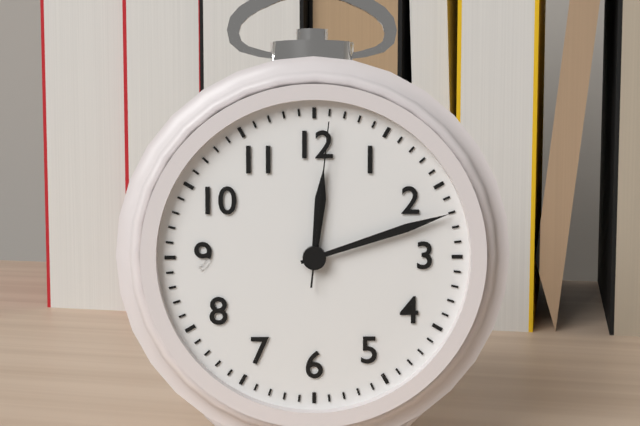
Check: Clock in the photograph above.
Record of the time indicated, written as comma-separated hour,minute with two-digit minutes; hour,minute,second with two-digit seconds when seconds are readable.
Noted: 12,12,01
